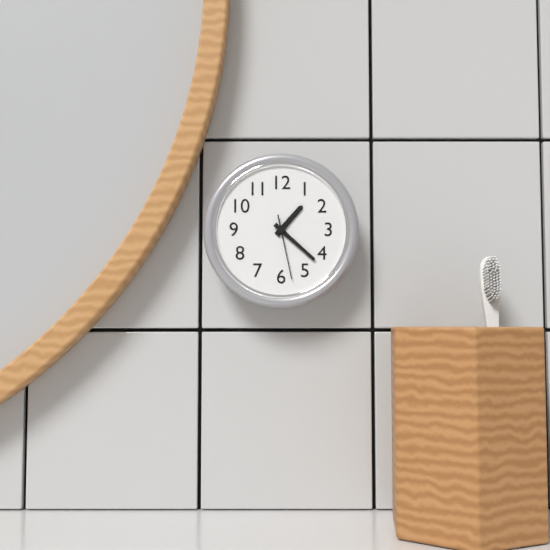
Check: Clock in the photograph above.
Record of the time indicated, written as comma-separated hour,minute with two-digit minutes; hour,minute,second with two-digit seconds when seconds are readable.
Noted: 1,22,28
